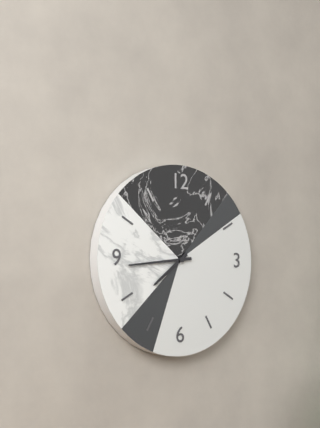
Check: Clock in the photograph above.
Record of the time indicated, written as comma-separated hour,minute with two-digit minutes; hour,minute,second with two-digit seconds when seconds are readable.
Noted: 7,44
